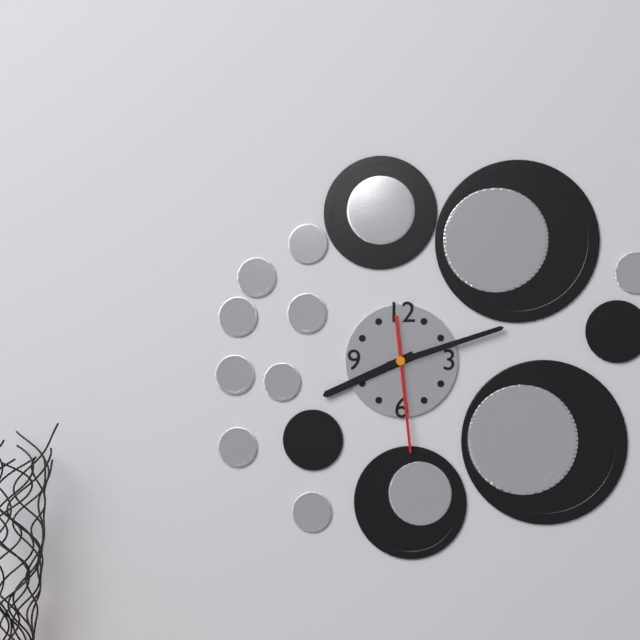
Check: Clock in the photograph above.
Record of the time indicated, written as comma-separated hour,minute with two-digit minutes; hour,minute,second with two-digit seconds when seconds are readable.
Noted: 8,12,29
